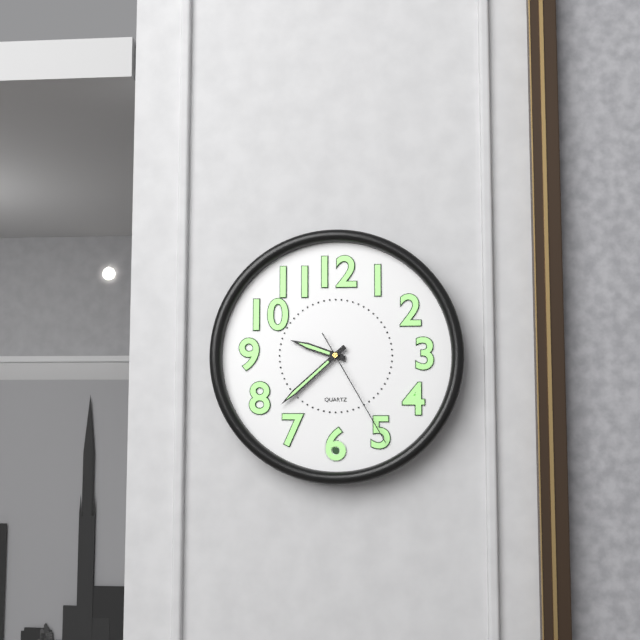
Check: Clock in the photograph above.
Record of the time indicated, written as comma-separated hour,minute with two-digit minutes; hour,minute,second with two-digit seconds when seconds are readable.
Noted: 9,38,25
